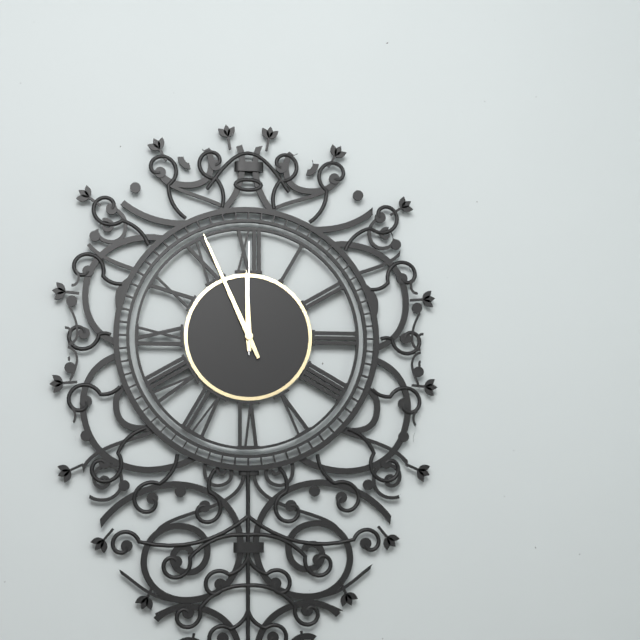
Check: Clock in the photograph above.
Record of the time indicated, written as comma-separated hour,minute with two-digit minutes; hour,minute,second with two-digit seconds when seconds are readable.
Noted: 11,56,00
